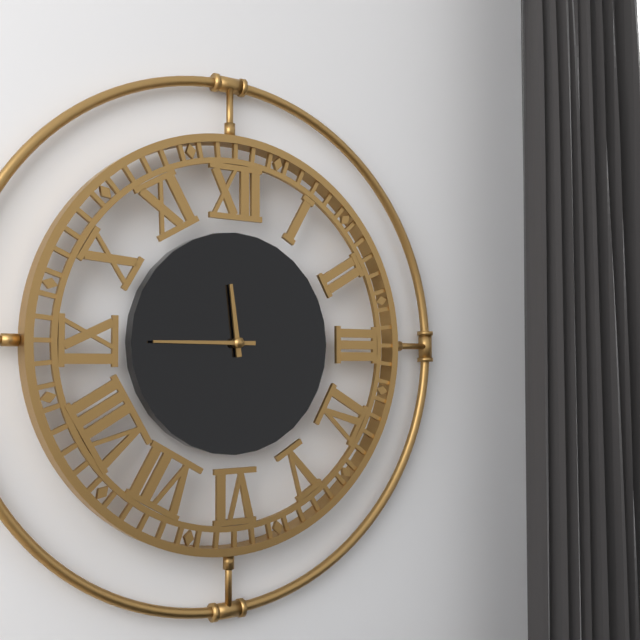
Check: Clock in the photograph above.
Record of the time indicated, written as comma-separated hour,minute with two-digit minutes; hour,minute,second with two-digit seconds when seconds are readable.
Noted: 11,45
